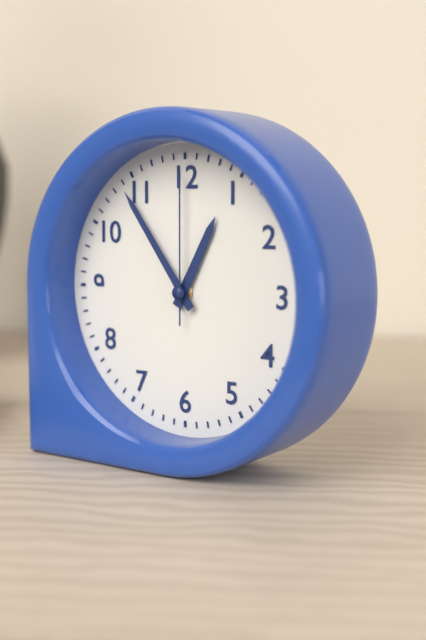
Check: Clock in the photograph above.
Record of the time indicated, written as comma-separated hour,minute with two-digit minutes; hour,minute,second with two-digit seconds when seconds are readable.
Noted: 12,54,00
